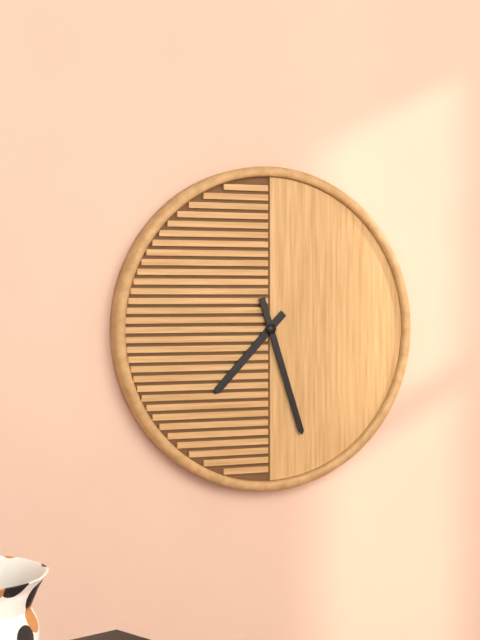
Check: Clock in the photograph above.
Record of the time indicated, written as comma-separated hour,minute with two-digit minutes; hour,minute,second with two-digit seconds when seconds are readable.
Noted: 7,27
